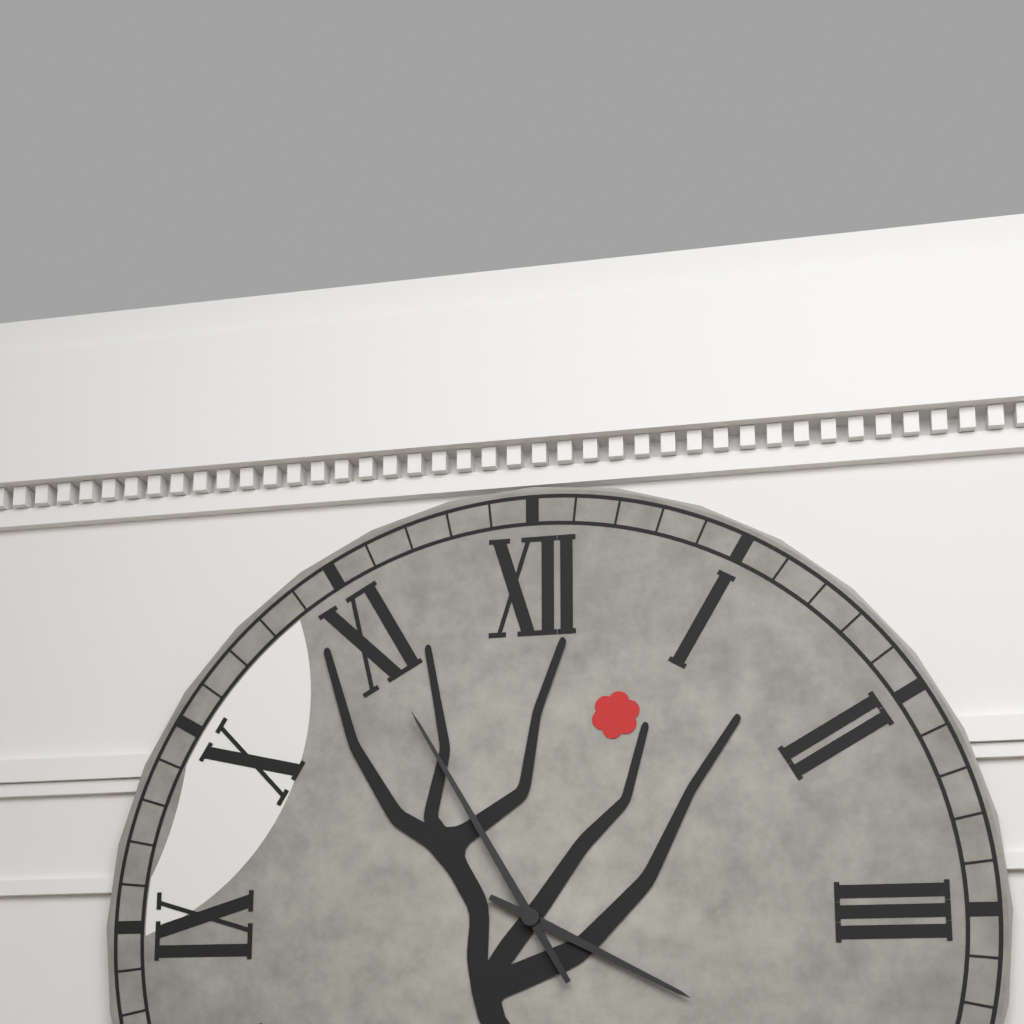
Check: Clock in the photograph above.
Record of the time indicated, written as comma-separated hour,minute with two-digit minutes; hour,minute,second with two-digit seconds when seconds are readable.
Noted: 3,55
